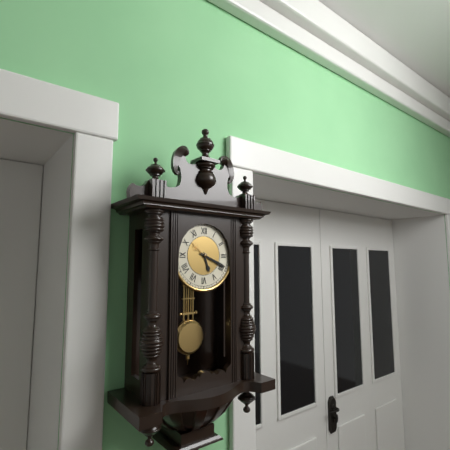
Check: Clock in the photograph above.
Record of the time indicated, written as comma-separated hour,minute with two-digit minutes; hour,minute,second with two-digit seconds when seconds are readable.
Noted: 5,19
